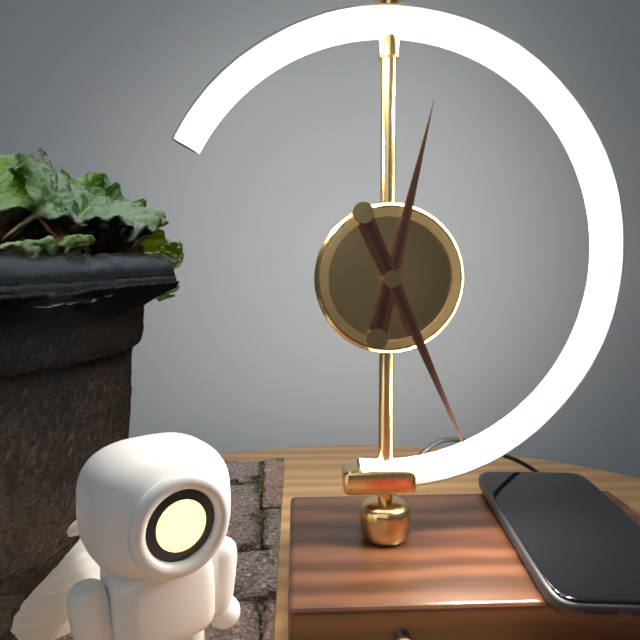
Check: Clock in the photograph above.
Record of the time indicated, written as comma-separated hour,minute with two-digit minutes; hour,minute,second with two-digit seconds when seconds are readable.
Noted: 12,26
